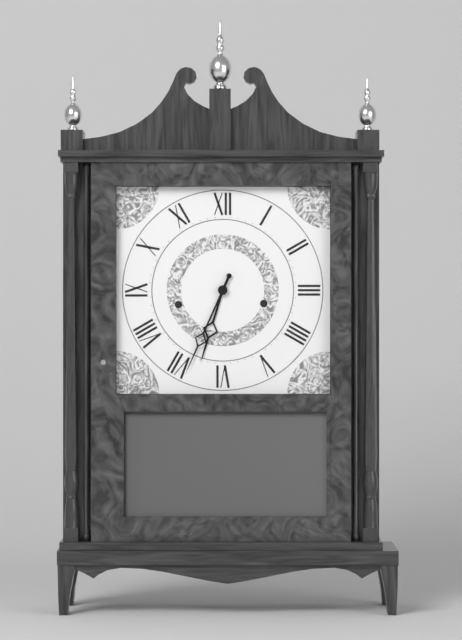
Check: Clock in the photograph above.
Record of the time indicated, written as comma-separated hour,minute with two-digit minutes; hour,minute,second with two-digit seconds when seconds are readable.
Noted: 6,34
